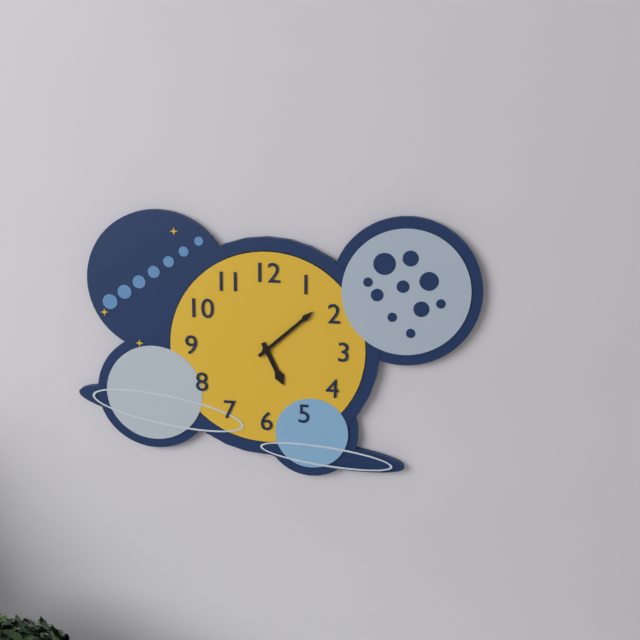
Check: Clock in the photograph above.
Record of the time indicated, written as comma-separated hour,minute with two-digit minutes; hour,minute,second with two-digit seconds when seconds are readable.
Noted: 5,08
